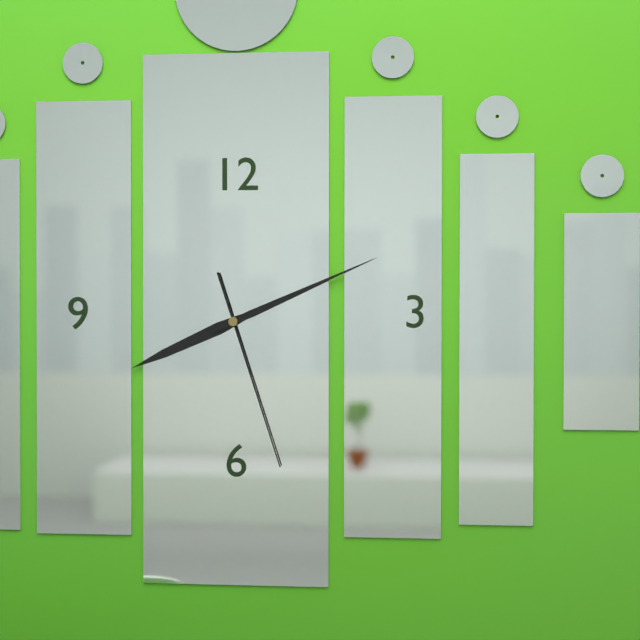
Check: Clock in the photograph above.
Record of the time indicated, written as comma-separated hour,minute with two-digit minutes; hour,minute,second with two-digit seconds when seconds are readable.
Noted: 8,11,27
